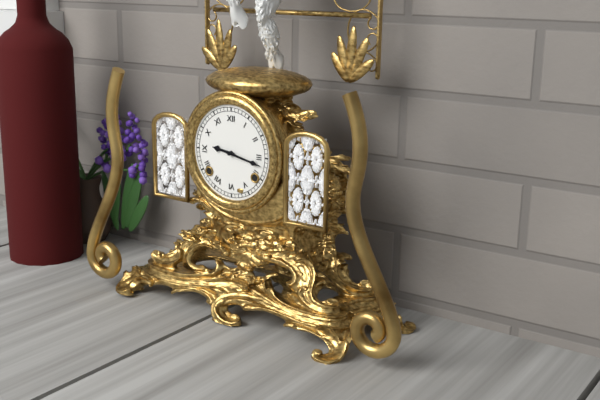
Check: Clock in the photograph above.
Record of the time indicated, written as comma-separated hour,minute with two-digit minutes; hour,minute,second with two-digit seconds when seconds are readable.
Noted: 9,17
